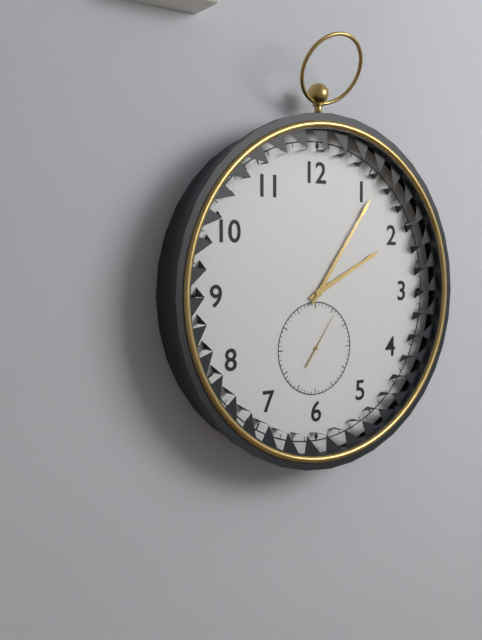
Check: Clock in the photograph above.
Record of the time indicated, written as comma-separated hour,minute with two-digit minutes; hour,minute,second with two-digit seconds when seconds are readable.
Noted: 2,06
